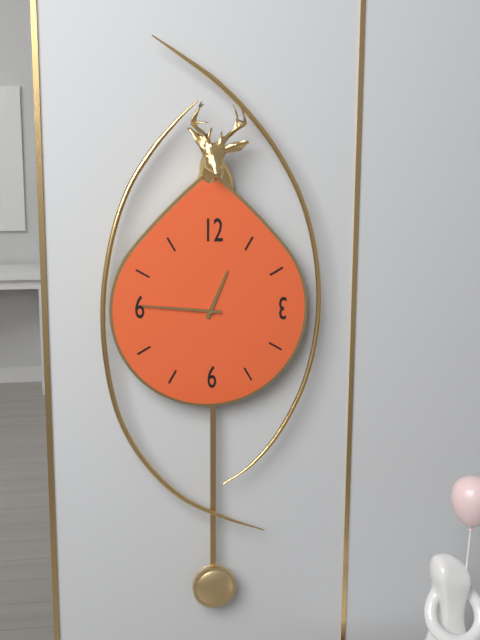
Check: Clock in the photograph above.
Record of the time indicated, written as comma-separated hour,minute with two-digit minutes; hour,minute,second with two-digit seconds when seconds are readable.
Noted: 12,46
